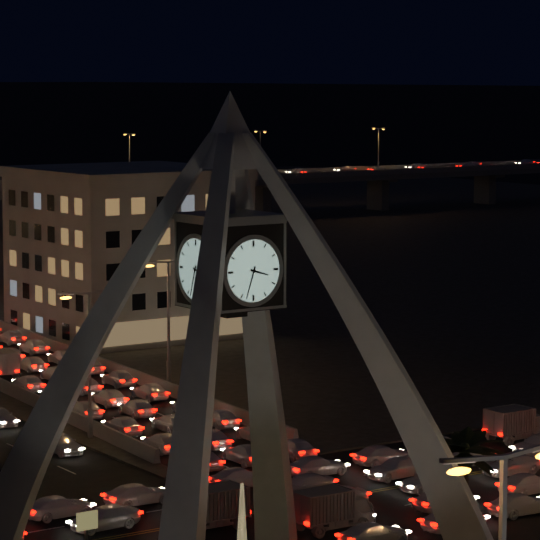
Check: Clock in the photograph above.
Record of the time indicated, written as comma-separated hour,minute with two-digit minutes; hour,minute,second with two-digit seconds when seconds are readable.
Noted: 3,33
